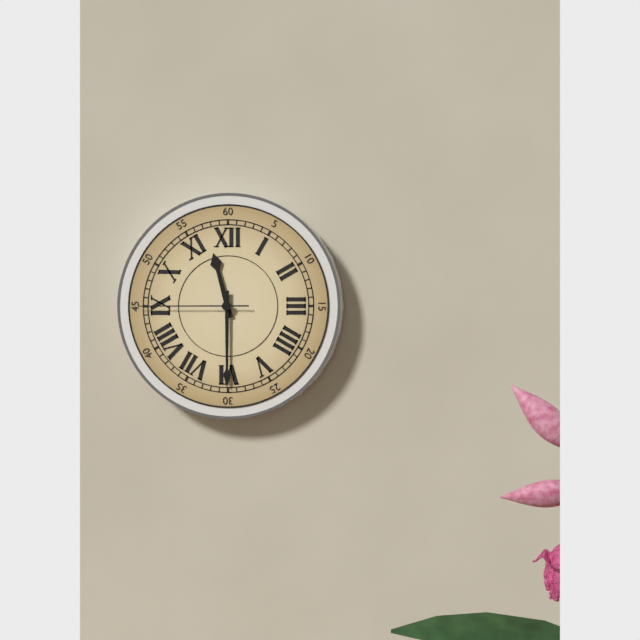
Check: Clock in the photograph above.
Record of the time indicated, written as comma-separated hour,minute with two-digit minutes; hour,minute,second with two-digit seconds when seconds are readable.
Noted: 11,30,45
